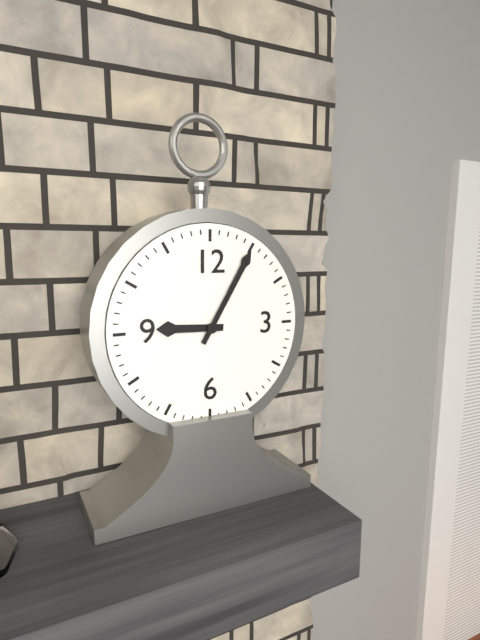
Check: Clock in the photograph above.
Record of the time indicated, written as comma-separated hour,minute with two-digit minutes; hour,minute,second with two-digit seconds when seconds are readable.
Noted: 9,05
